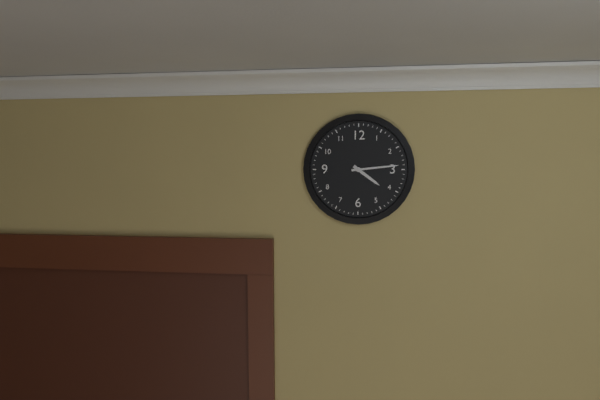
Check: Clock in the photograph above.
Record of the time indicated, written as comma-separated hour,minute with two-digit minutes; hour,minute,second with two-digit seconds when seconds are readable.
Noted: 4,14
